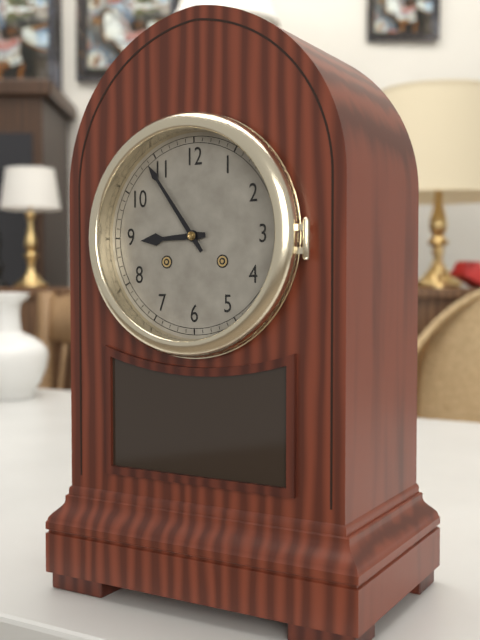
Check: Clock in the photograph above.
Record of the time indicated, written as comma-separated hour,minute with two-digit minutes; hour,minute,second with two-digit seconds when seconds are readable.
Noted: 8,54
